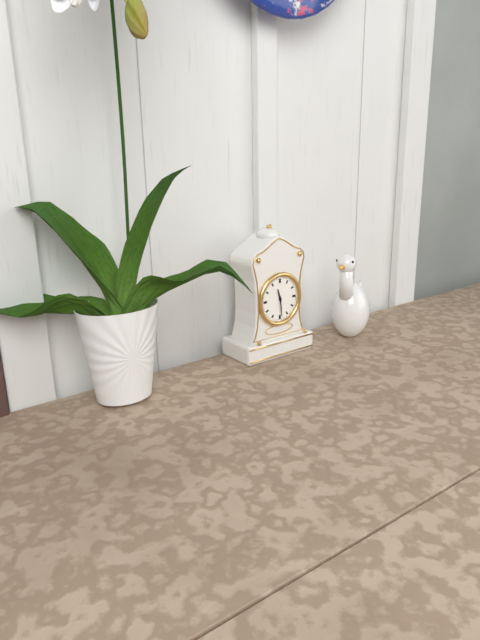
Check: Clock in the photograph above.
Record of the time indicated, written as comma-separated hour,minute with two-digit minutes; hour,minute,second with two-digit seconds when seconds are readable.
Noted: 11,29
